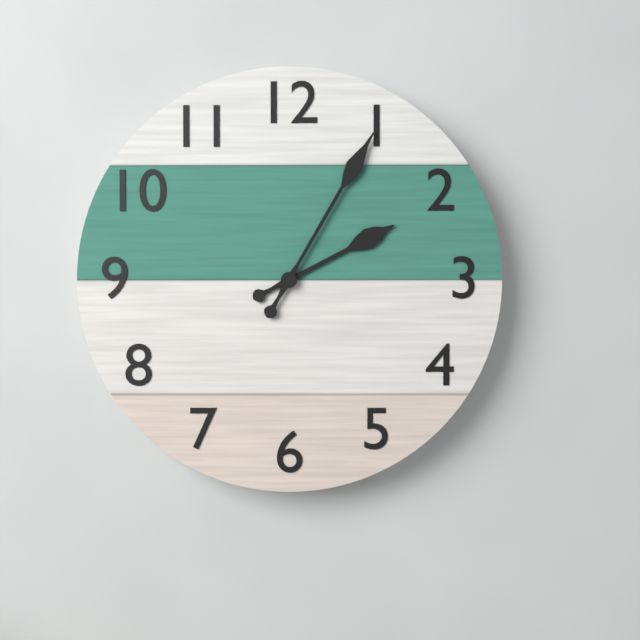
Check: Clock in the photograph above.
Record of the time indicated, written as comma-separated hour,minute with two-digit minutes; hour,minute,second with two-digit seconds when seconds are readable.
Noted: 2,05
